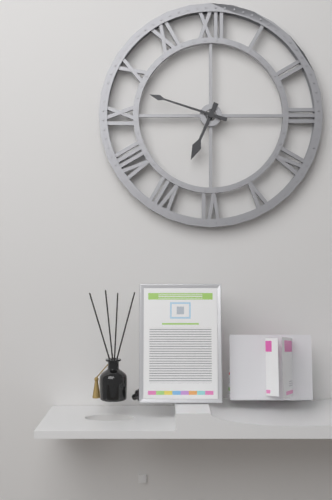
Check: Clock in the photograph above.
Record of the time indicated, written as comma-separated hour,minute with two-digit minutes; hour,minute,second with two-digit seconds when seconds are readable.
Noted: 6,48
